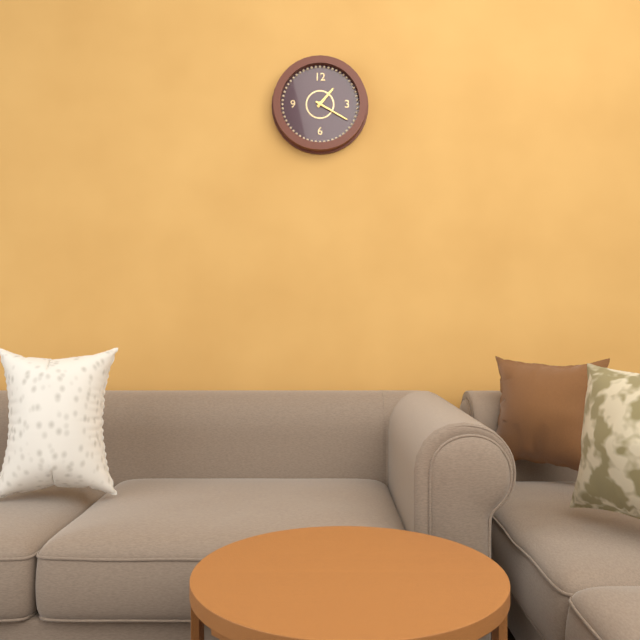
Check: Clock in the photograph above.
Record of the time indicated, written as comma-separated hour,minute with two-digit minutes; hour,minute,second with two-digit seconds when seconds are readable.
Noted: 1,20
